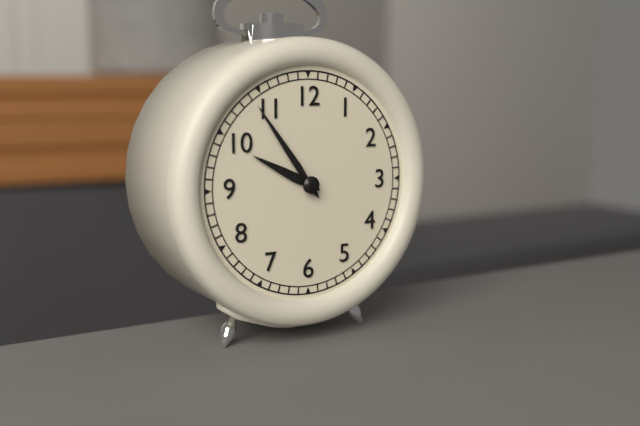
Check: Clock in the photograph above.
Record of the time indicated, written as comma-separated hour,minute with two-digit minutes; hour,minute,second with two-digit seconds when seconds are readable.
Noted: 9,54
